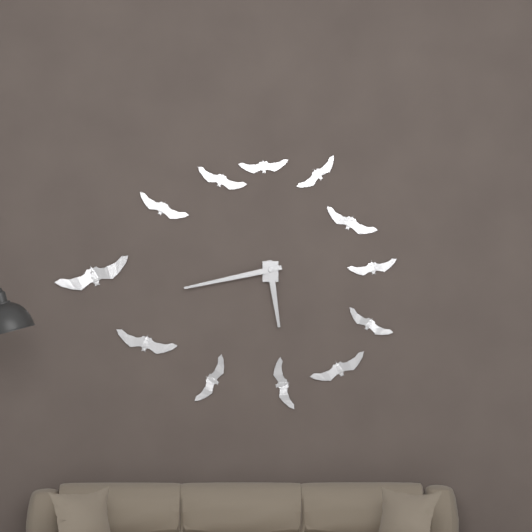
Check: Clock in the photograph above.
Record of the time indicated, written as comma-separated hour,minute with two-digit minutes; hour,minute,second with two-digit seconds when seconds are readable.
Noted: 5,43
